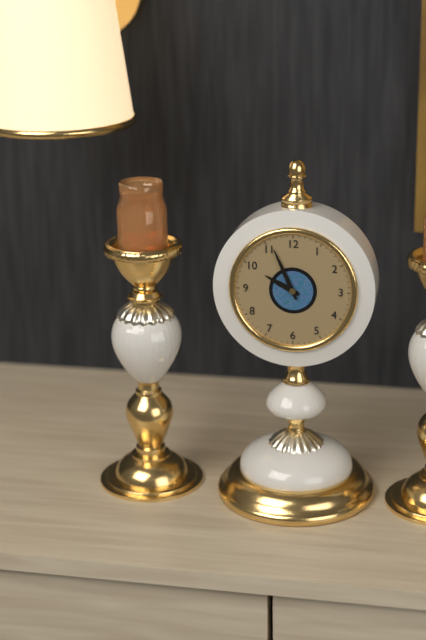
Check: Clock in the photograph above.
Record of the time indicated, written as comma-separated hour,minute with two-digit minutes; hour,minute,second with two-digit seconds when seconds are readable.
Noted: 9,56
